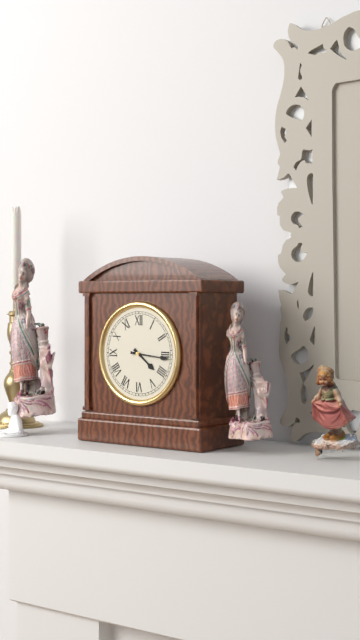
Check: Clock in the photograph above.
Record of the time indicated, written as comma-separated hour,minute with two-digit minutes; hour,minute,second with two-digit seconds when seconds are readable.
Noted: 4,16
